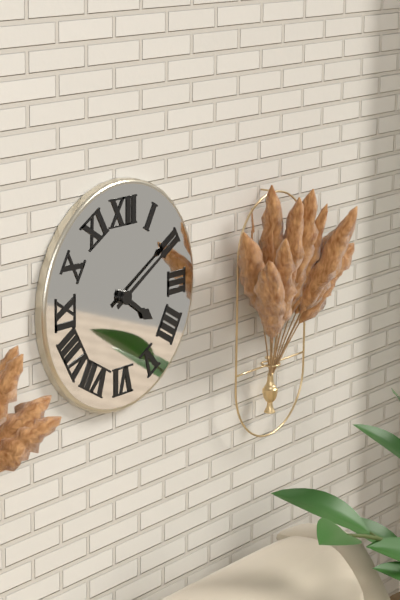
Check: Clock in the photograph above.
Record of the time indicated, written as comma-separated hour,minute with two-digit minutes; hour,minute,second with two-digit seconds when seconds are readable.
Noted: 4,10
